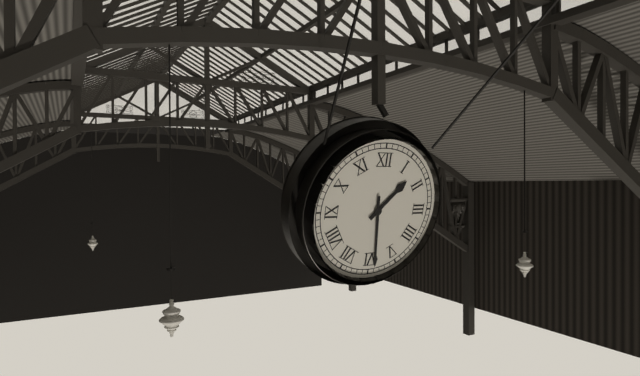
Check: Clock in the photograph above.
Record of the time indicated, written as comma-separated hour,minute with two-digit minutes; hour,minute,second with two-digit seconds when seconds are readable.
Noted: 1,29
